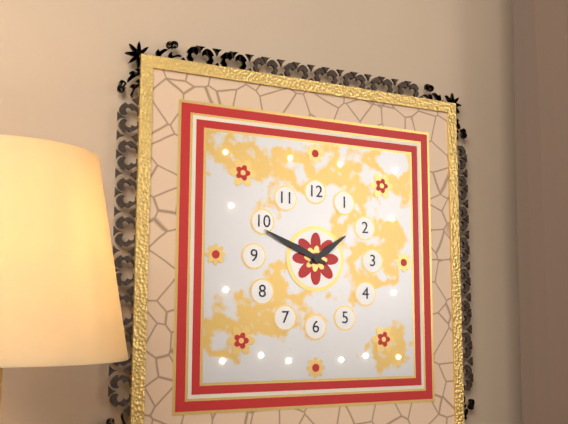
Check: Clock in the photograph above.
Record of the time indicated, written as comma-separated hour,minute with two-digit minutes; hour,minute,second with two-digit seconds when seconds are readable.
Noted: 1,49
